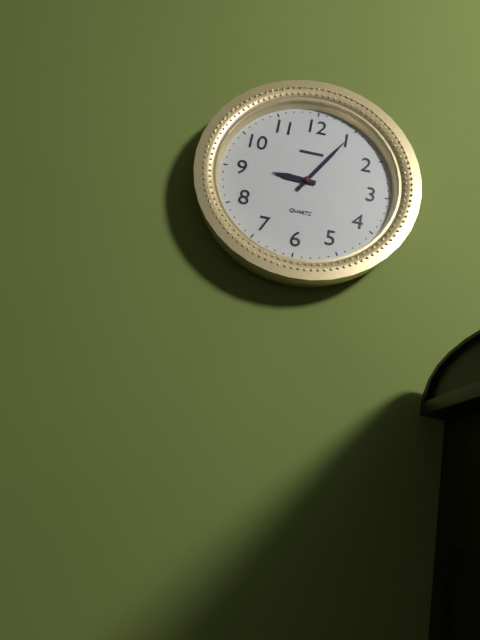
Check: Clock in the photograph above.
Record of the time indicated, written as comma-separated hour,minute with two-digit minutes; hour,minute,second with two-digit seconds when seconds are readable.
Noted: 9,05
